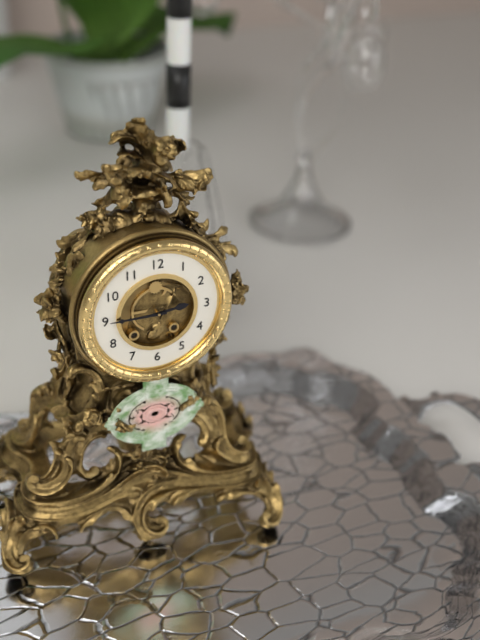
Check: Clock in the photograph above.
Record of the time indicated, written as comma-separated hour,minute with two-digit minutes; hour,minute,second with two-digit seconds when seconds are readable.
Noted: 2,45
